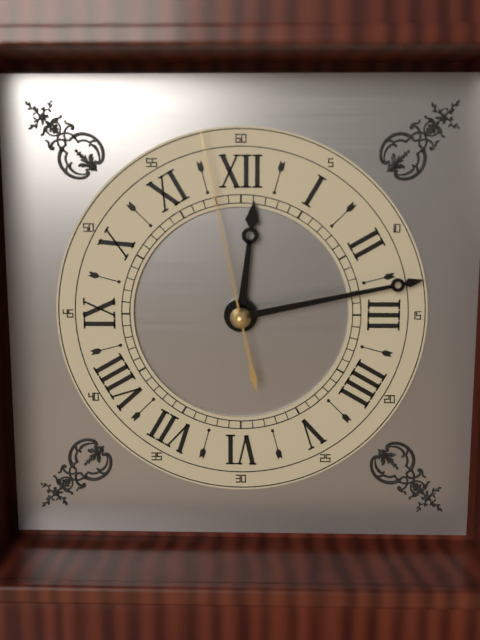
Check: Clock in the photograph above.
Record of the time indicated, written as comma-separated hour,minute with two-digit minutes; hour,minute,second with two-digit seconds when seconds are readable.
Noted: 12,13,58
